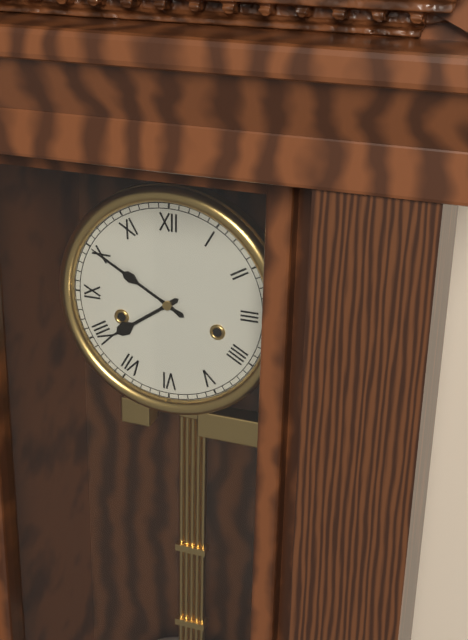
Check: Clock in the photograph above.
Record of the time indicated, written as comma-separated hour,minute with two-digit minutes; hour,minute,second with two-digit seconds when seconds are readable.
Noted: 7,50
